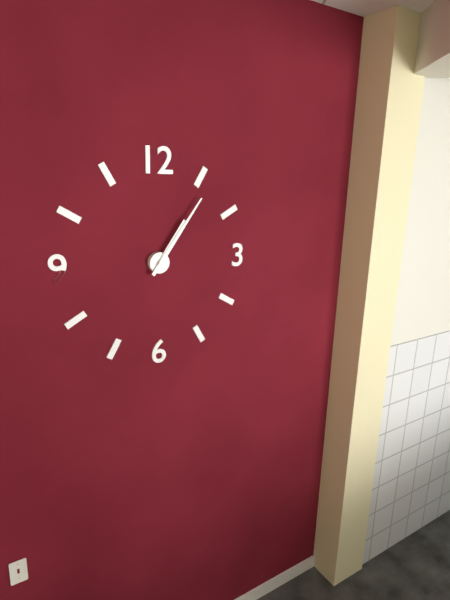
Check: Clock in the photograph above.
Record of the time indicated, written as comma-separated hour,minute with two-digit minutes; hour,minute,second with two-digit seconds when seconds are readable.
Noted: 1,06
